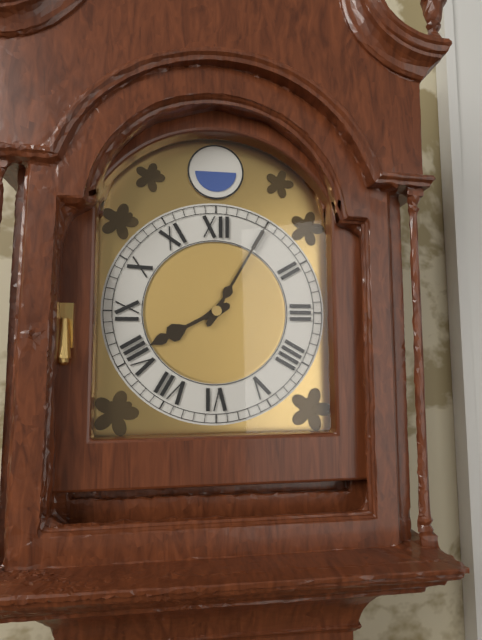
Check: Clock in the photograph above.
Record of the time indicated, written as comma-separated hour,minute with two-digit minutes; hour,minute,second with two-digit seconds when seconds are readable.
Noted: 8,05
